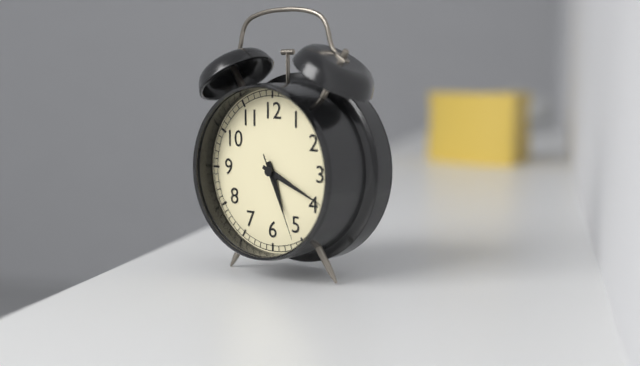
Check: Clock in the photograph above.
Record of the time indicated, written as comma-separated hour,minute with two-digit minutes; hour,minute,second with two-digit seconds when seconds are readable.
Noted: 5,19,26
